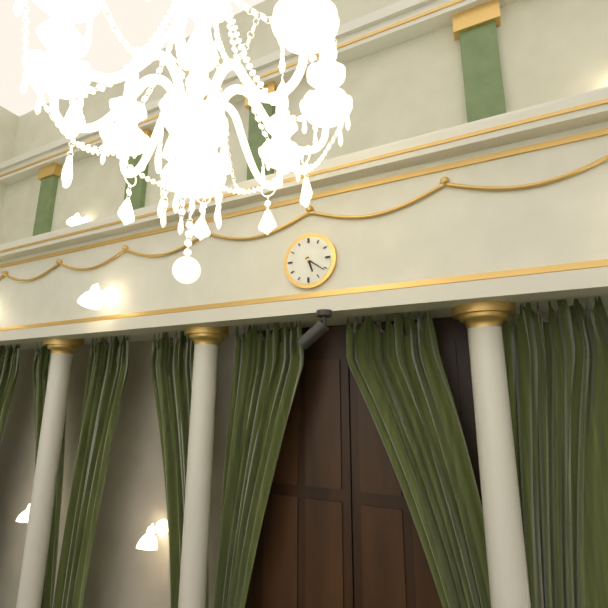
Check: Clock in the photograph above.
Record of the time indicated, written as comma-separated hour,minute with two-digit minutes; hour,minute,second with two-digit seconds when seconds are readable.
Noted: 5,21
